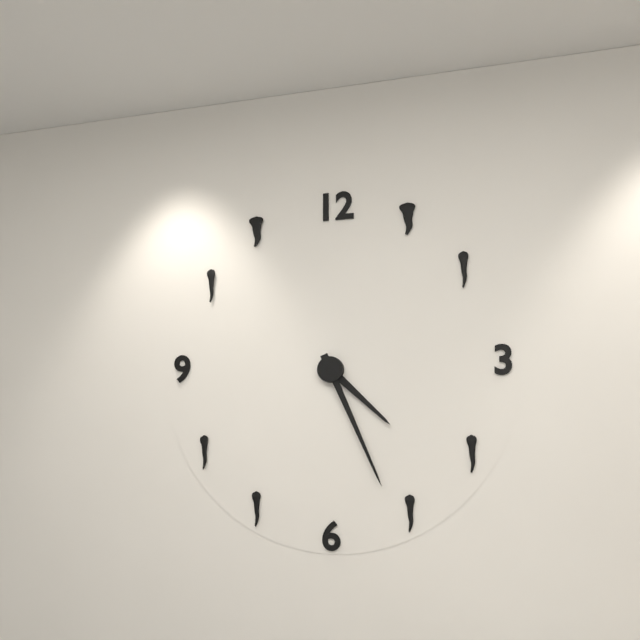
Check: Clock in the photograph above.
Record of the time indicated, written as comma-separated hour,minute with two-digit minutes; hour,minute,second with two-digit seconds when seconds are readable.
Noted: 4,26
